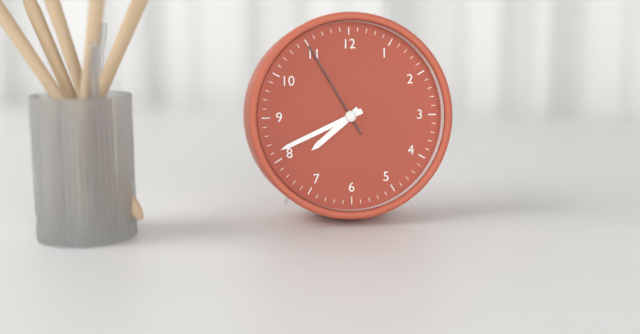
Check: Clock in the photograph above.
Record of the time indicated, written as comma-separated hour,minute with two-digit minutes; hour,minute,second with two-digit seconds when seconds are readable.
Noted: 7,41,55
